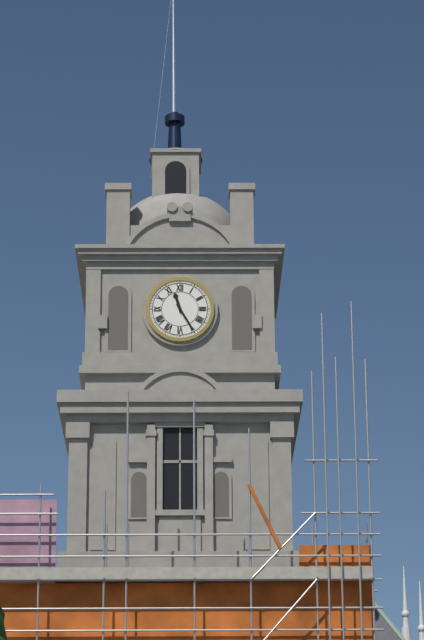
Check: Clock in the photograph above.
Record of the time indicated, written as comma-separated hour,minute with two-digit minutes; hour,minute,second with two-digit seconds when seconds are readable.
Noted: 11,25
